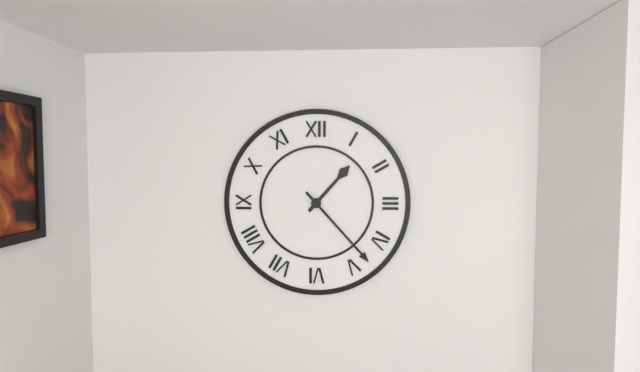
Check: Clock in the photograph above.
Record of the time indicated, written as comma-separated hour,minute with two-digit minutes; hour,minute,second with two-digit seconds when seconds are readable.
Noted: 1,23
